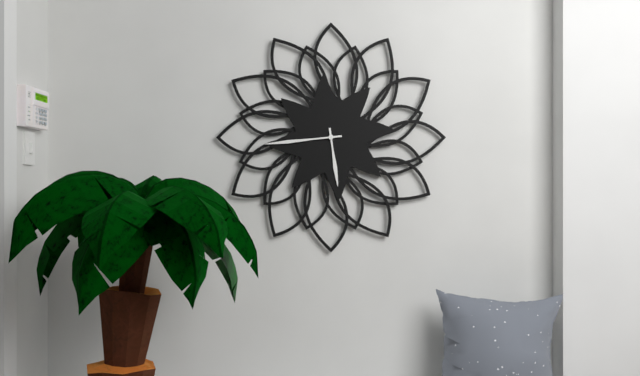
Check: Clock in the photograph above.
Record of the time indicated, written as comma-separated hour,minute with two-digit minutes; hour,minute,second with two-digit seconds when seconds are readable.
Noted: 5,44
